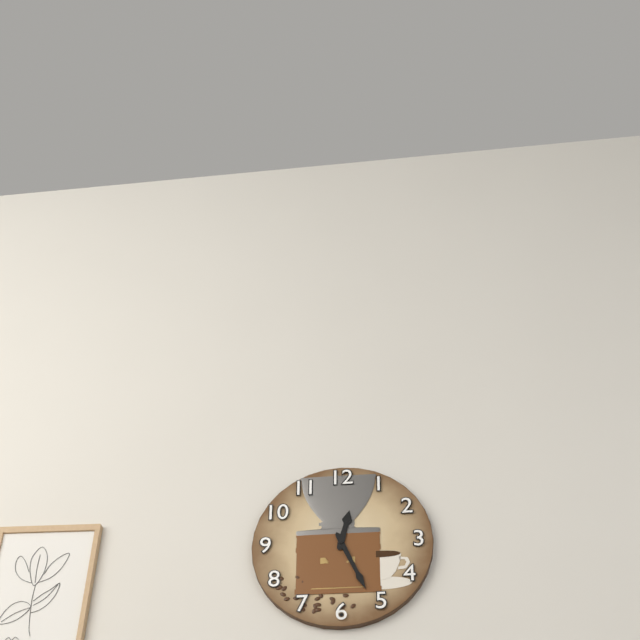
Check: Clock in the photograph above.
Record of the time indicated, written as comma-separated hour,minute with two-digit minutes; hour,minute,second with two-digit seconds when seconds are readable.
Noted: 12,26
